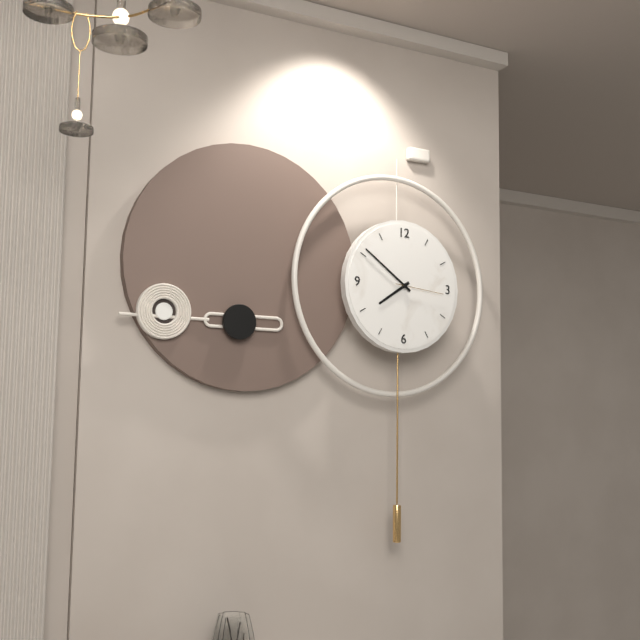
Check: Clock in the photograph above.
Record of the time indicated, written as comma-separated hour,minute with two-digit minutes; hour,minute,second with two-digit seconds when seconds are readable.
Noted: 7,51
